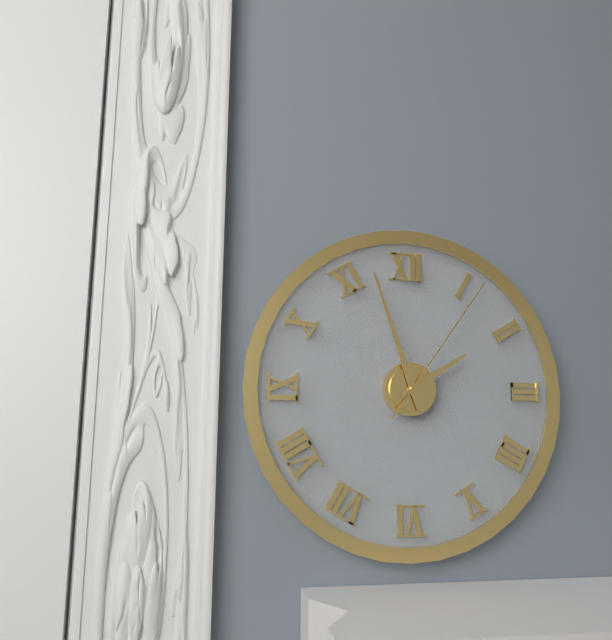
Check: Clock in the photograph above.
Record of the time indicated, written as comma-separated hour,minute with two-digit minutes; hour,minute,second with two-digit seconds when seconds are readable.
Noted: 1,57,06
